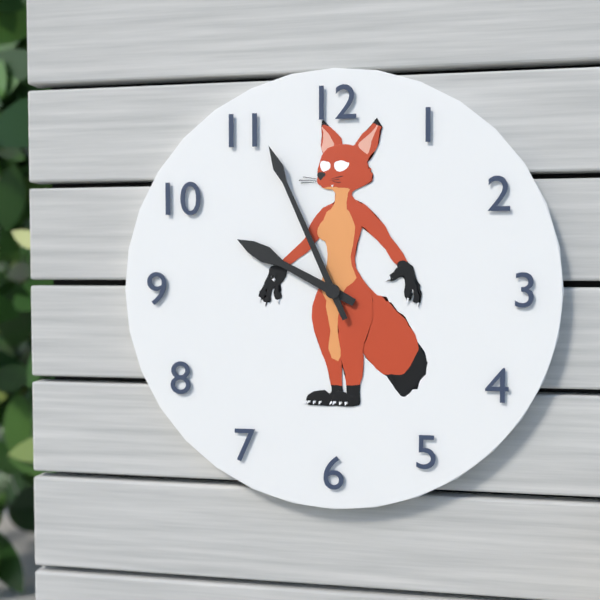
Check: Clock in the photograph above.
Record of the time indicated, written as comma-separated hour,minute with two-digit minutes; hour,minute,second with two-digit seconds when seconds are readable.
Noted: 9,56
